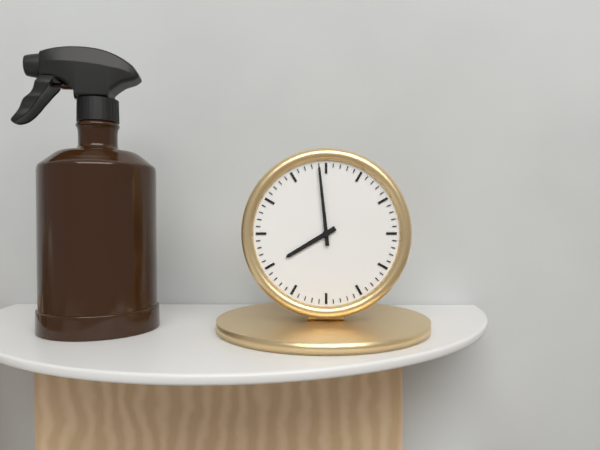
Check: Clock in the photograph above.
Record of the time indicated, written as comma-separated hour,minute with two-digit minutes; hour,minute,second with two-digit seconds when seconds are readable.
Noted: 7,59
